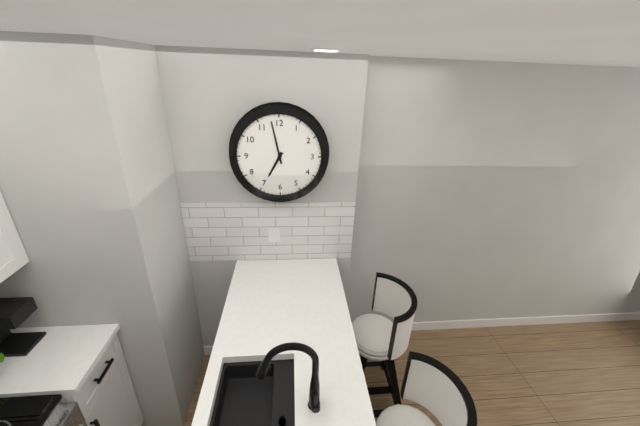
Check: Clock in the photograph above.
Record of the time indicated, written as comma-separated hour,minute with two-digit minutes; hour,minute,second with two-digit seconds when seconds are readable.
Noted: 6,58
